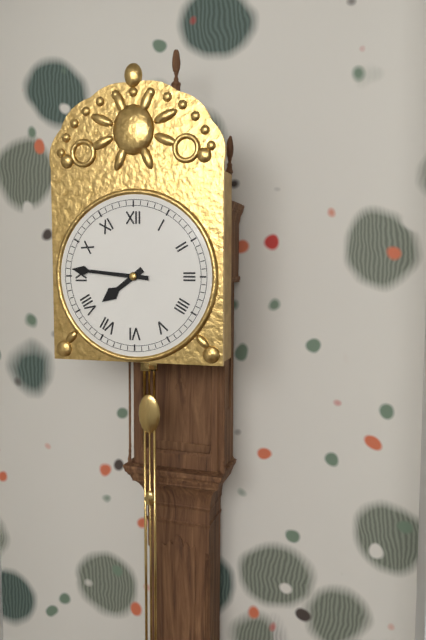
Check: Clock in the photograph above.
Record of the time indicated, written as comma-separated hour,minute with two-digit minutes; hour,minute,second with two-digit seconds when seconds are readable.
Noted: 7,46
